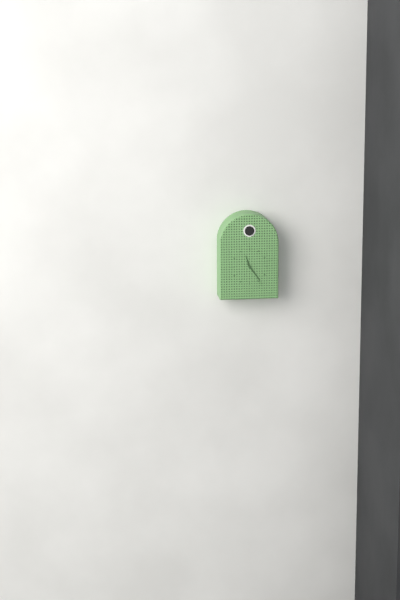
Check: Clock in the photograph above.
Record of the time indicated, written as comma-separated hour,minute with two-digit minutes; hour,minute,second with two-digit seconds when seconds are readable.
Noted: 11,24
